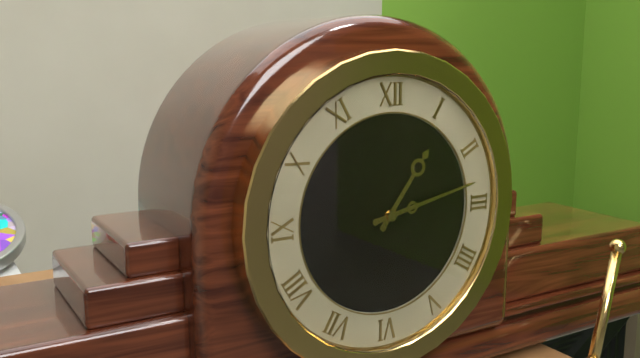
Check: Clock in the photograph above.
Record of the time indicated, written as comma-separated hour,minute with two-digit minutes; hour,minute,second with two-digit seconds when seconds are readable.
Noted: 1,13
